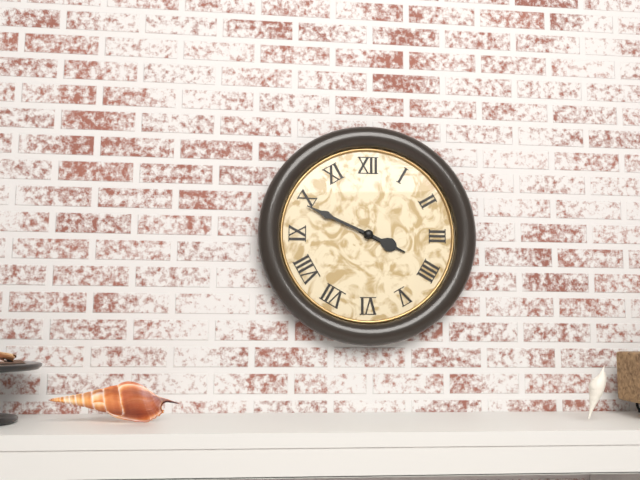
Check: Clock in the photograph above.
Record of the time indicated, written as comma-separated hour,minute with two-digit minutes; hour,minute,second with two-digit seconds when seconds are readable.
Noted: 3,49
